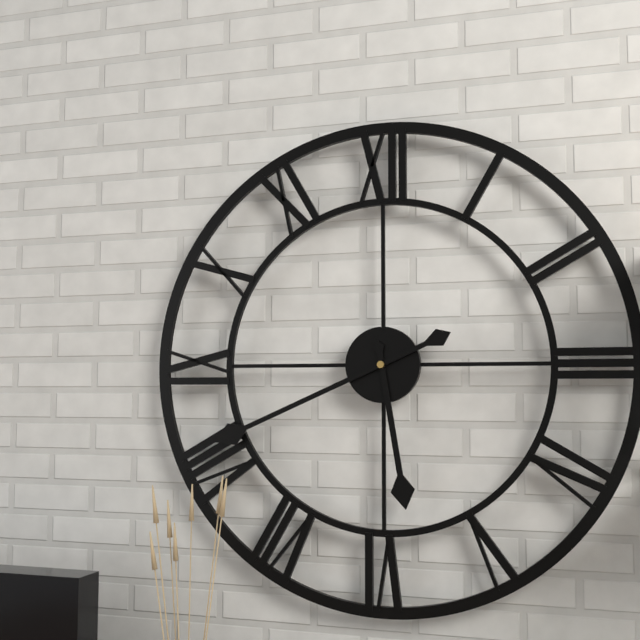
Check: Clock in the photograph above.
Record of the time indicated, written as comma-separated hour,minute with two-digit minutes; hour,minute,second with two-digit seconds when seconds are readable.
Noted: 5,41
